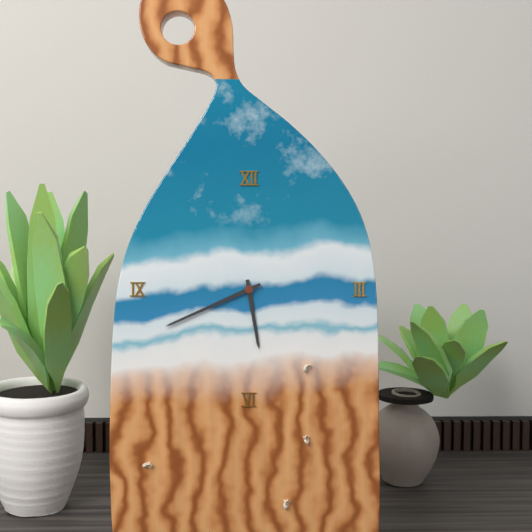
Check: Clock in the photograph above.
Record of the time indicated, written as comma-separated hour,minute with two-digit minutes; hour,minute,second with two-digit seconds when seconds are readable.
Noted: 5,41
